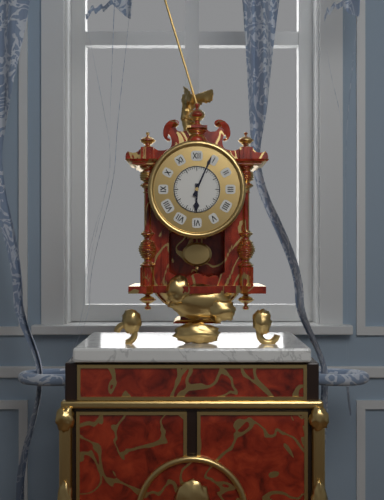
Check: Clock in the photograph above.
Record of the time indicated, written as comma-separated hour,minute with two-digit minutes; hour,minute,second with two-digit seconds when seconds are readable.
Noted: 6,04
